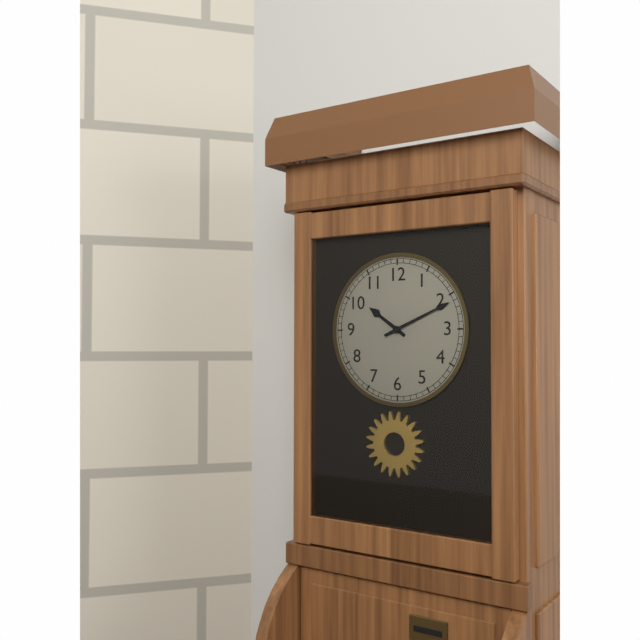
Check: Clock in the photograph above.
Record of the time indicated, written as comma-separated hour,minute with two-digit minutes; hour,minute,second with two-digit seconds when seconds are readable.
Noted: 10,11
